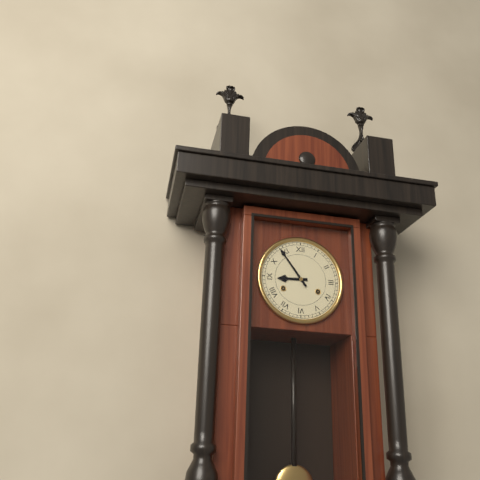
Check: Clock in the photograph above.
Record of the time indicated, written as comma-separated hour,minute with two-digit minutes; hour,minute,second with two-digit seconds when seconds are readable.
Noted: 8,54
